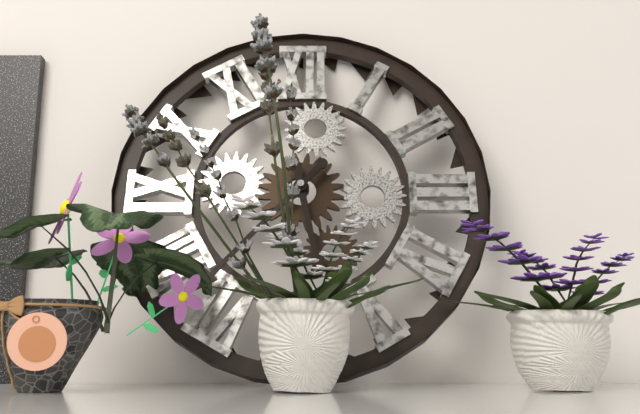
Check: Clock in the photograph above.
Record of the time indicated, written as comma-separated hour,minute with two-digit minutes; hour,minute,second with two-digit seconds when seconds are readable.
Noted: 5,37
